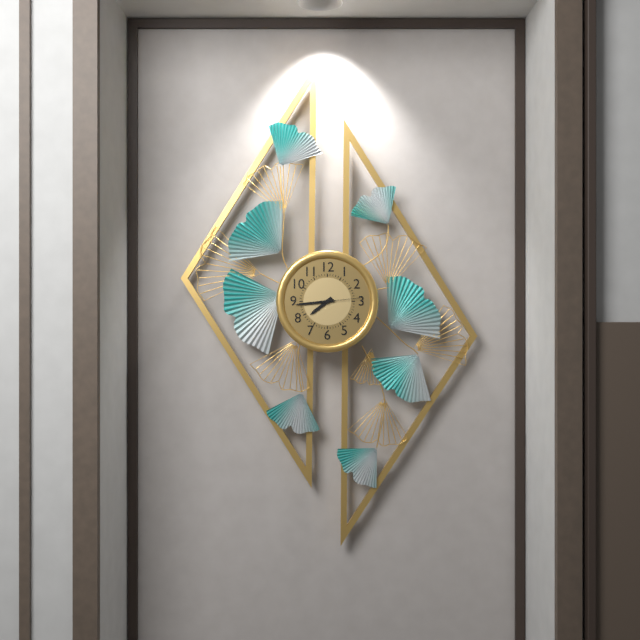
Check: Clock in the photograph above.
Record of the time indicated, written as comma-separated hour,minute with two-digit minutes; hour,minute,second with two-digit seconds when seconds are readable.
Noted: 7,44
